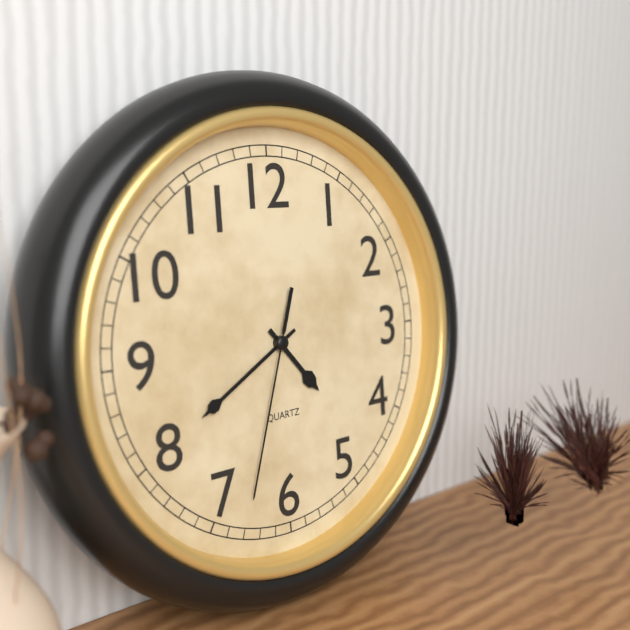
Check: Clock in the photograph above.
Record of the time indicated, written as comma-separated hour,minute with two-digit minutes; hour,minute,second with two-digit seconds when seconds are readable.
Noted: 4,40,33
